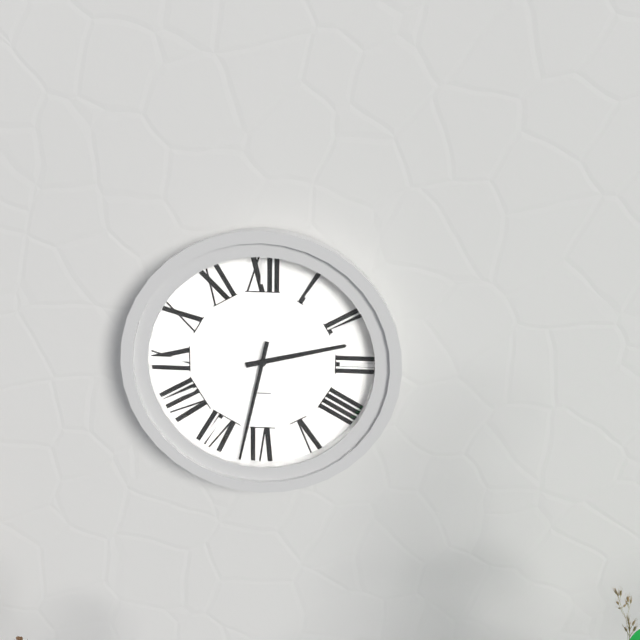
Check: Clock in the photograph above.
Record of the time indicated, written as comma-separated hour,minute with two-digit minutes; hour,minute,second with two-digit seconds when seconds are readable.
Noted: 2,32
